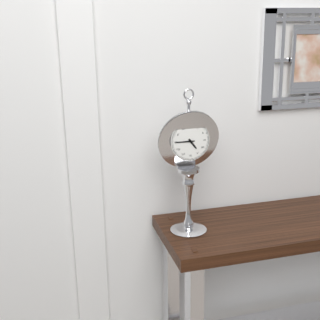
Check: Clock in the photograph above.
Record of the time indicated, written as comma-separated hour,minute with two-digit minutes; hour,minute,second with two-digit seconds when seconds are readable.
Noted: 4,45
